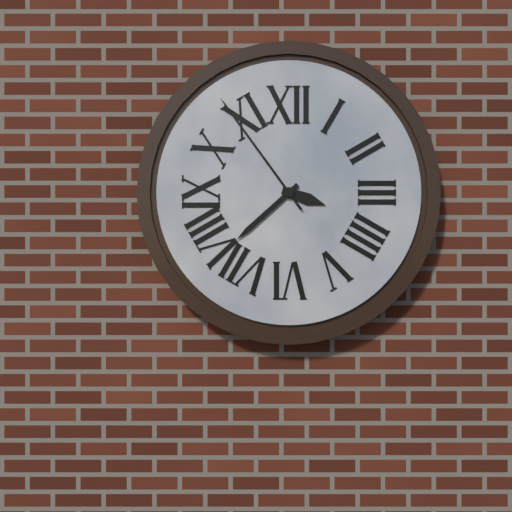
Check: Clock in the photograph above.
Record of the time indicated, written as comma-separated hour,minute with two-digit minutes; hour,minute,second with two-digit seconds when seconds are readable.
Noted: 3,38,54
